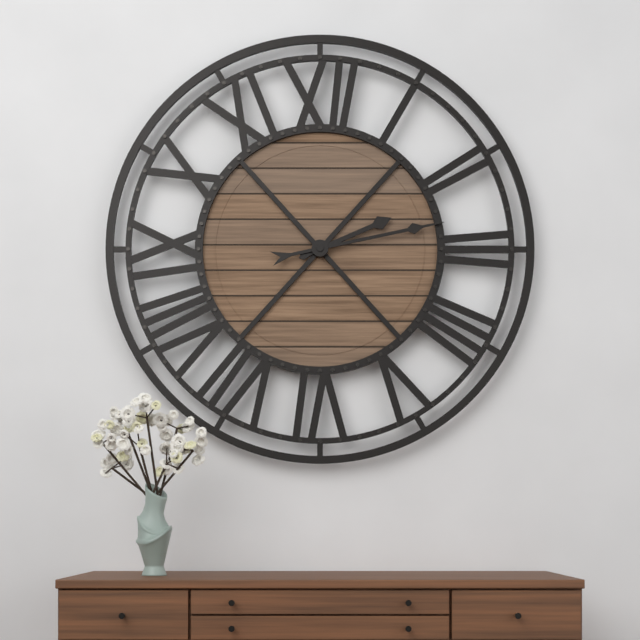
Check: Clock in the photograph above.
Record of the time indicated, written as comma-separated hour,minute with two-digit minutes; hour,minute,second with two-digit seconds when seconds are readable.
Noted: 2,13
